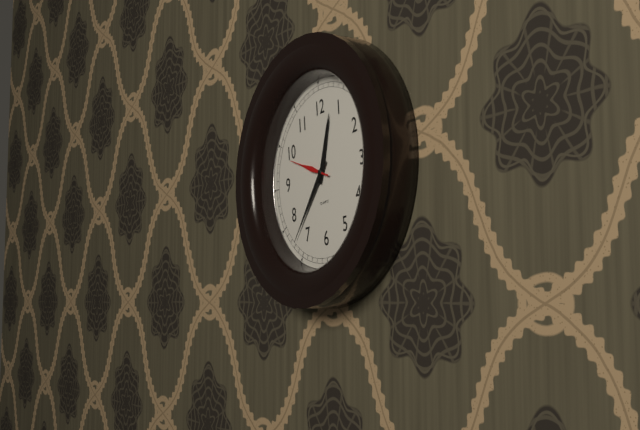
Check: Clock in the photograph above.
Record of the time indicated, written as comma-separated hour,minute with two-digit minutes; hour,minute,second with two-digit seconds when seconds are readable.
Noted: 12,37
